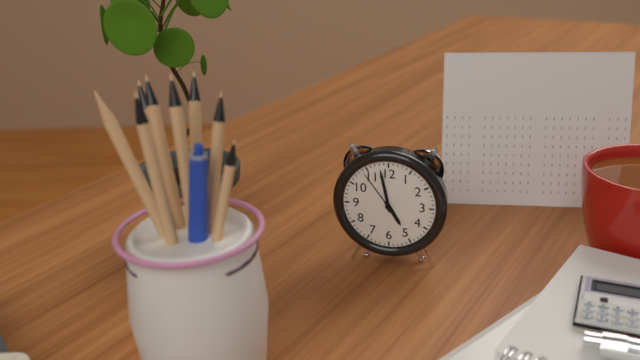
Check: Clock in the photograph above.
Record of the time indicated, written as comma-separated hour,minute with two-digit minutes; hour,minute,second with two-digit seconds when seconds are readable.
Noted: 4,58,54
